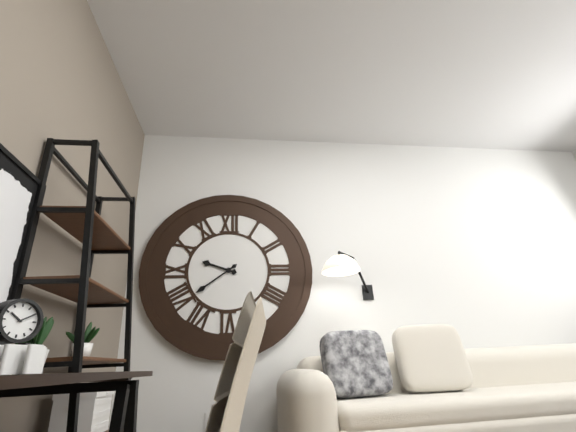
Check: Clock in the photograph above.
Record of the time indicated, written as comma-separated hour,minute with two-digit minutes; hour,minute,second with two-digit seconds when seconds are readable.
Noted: 9,39
